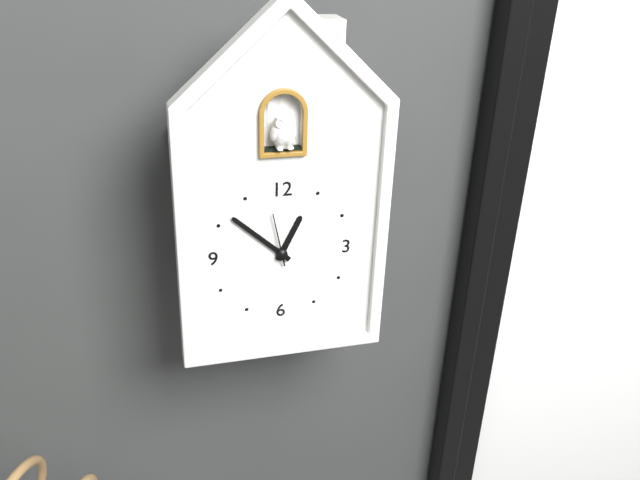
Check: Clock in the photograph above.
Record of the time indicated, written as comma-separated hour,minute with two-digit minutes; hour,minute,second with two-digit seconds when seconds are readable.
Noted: 12,52
